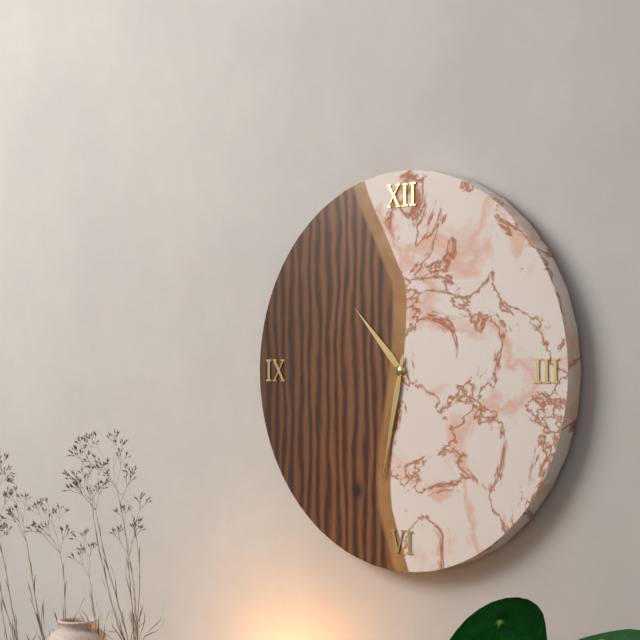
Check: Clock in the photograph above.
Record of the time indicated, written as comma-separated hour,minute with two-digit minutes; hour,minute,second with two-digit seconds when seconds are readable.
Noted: 10,32
